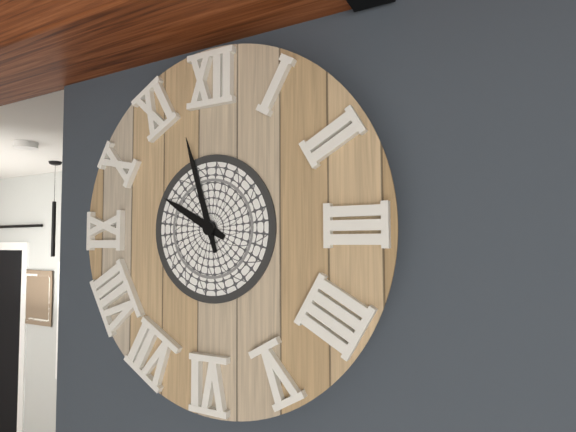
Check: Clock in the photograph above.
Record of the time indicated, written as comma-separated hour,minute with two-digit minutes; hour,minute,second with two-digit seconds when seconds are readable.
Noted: 9,57
